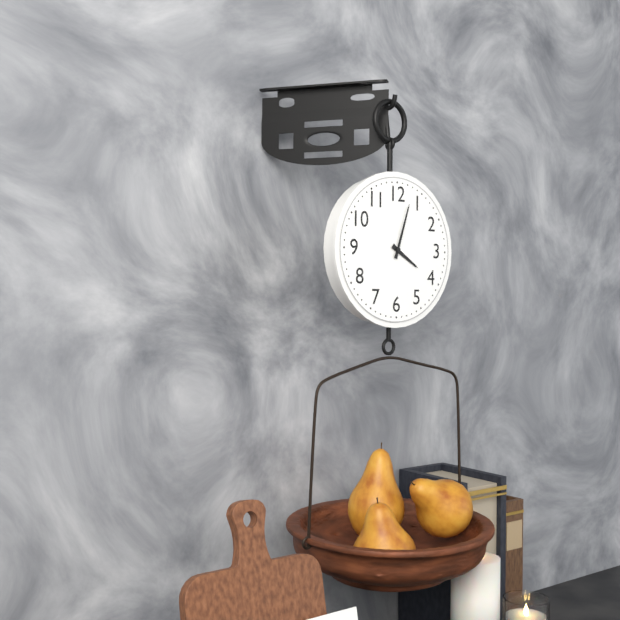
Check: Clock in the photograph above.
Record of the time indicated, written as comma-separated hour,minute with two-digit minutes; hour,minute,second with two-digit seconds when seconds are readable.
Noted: 4,03
